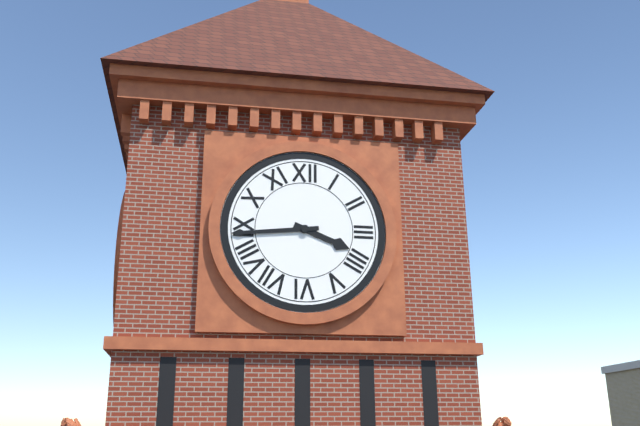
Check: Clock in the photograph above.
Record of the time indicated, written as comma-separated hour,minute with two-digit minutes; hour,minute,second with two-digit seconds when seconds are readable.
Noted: 3,44
